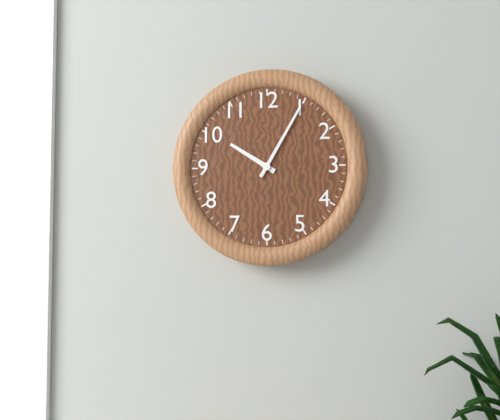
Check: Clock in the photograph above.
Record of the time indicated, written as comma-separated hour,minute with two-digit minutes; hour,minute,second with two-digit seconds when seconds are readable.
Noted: 10,05
